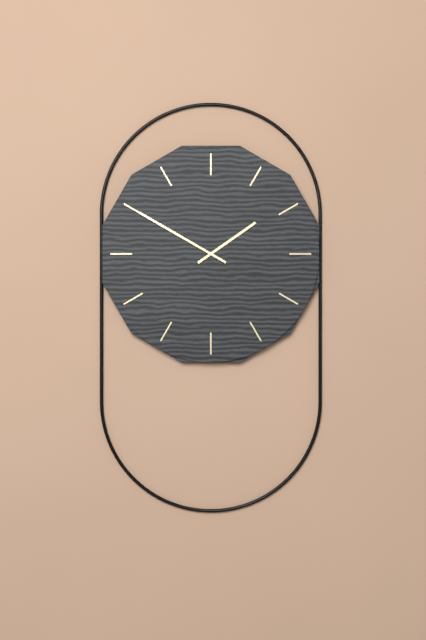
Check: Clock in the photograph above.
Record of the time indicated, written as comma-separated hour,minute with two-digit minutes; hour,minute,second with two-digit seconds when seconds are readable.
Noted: 1,50
